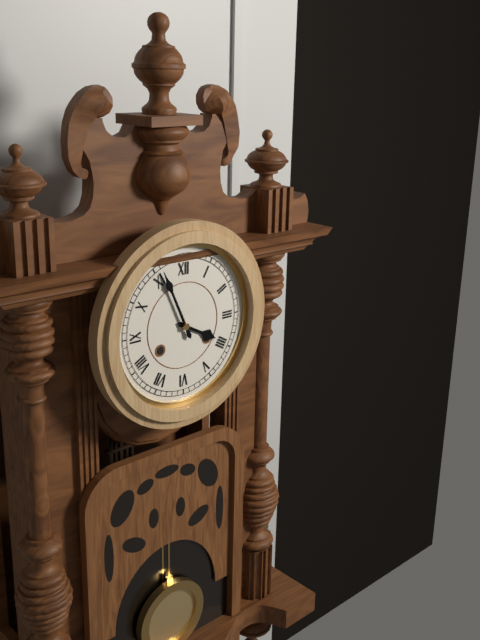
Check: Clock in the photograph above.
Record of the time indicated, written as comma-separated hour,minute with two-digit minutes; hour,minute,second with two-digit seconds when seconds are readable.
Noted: 3,56
